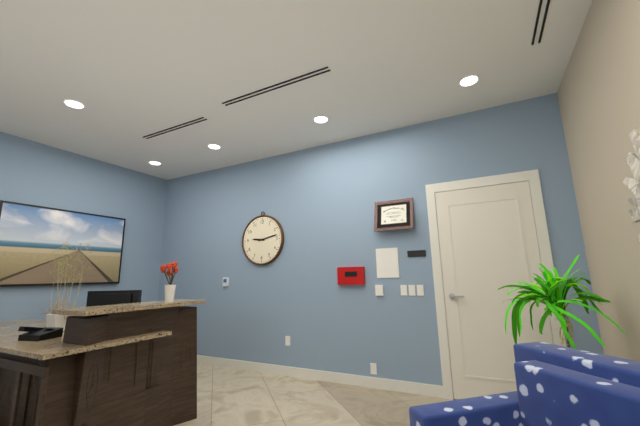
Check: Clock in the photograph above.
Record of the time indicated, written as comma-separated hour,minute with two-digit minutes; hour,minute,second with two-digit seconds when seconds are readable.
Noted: 9,13
